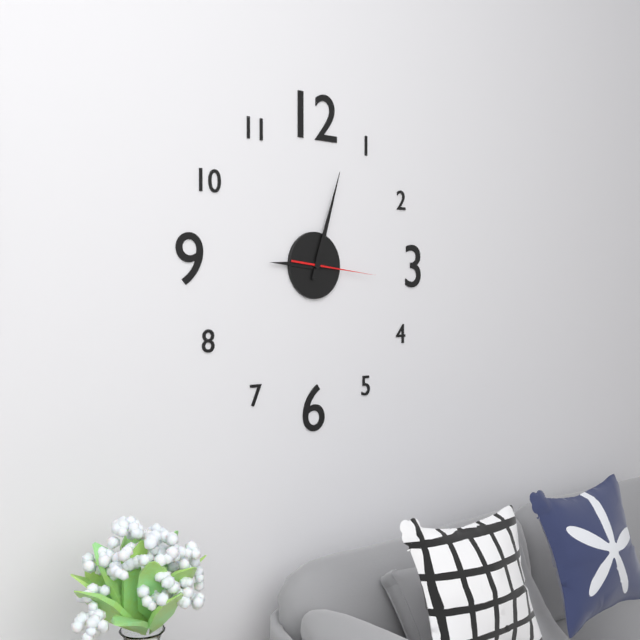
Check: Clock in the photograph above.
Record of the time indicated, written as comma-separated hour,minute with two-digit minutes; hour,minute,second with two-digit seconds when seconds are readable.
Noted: 9,03,16
